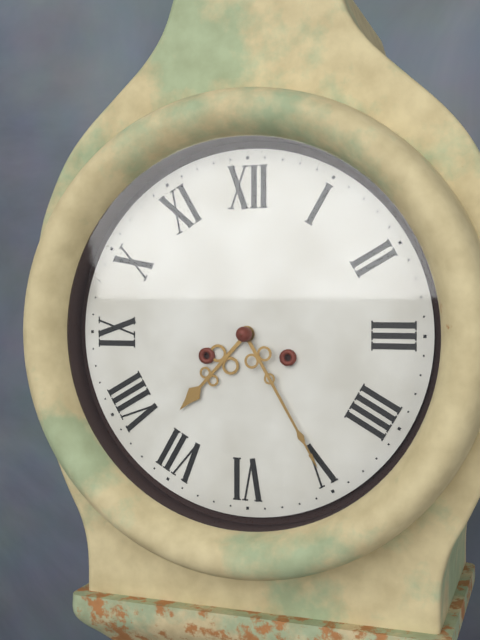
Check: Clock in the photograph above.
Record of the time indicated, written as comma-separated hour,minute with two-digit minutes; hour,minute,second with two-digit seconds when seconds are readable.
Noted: 7,25
